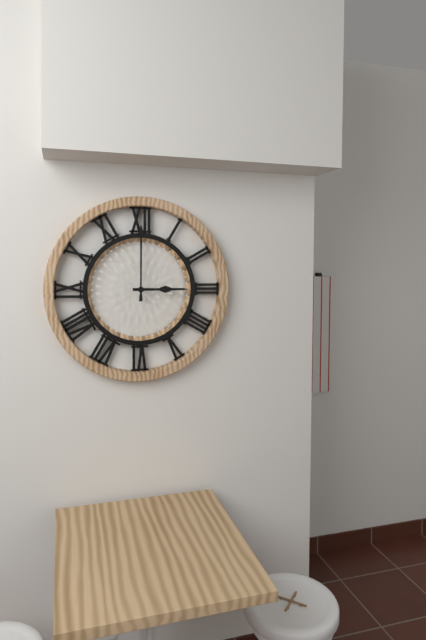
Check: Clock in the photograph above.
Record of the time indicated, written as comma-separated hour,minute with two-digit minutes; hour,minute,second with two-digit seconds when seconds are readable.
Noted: 3,00
